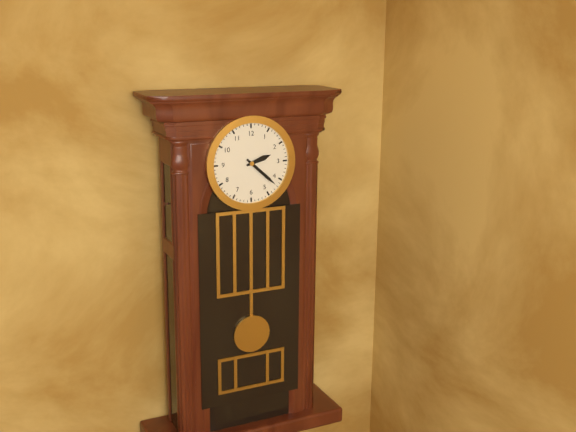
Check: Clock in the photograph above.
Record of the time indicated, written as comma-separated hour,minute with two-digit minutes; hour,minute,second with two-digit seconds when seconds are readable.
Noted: 2,22
